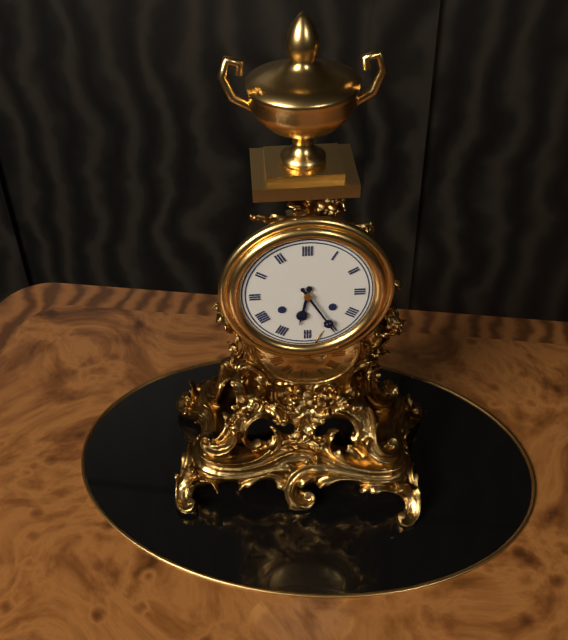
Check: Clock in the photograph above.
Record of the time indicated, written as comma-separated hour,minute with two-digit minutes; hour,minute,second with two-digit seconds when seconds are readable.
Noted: 6,25
